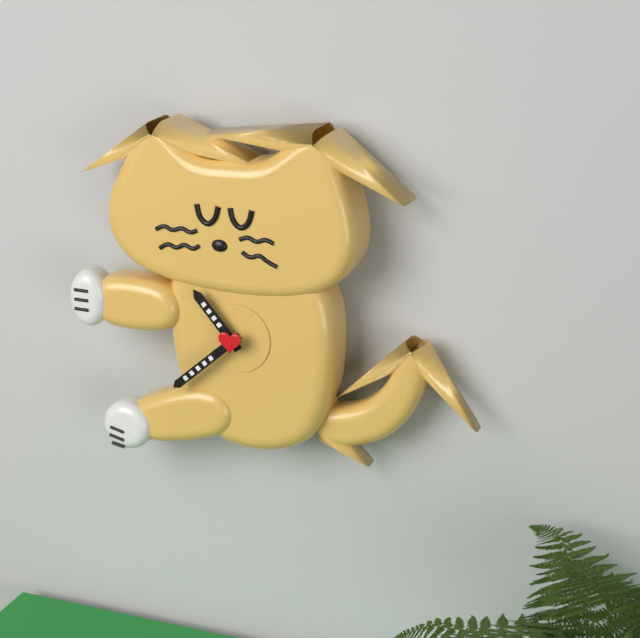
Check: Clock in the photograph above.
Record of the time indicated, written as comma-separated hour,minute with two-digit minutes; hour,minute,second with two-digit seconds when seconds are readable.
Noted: 10,38
